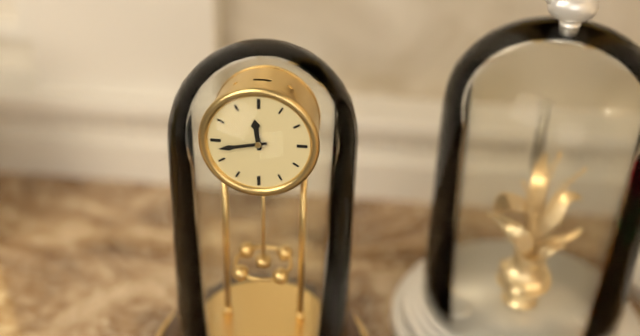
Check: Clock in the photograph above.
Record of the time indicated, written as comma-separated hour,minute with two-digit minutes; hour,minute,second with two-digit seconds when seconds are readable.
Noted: 11,43
